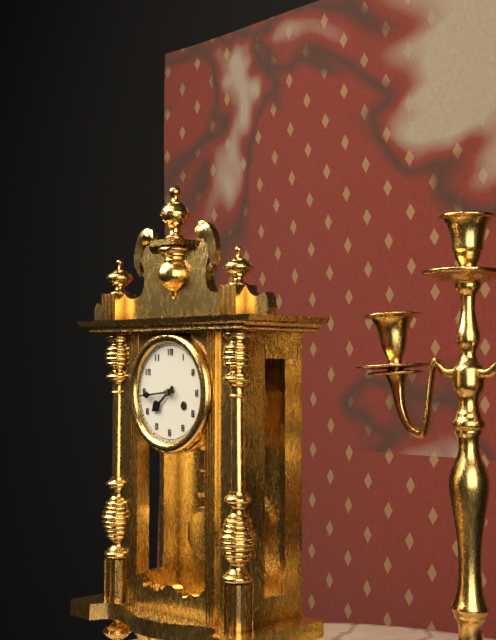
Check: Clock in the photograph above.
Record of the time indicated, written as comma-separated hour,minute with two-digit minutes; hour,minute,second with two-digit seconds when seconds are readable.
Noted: 7,44
